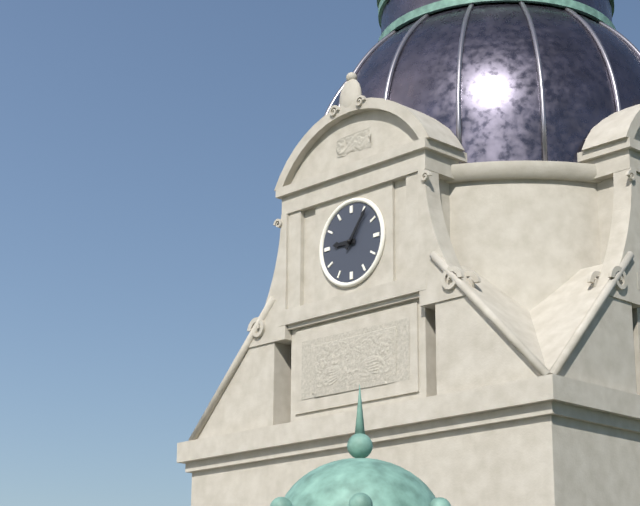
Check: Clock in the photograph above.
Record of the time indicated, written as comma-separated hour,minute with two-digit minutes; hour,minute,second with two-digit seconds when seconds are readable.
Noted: 9,06
